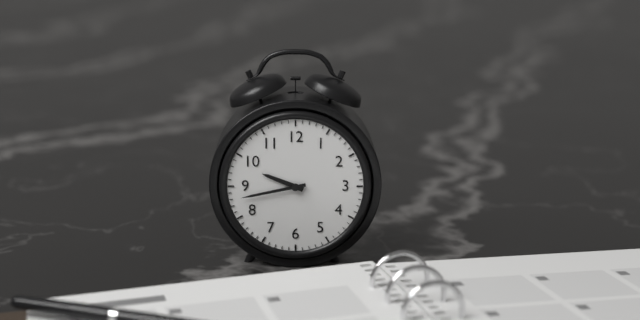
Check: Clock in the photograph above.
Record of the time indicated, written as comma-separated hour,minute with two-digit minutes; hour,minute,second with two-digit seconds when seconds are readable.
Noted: 9,43
